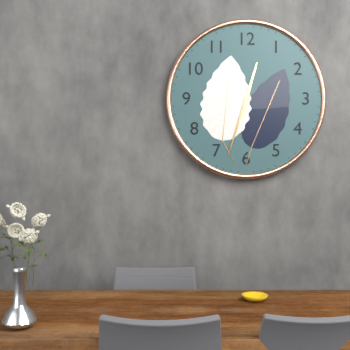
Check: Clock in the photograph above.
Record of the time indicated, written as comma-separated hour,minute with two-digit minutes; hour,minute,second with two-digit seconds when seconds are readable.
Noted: 12,33
